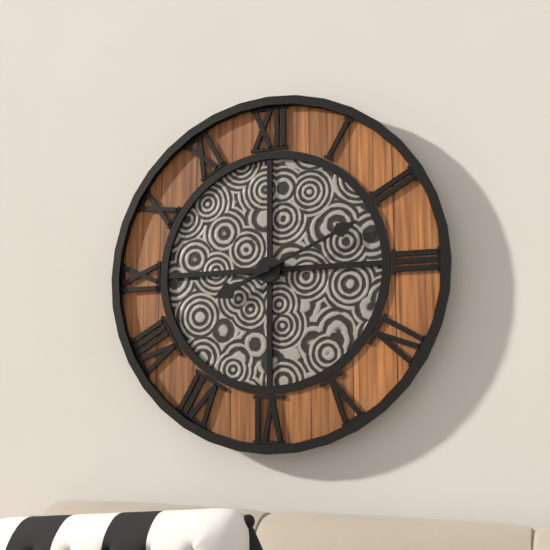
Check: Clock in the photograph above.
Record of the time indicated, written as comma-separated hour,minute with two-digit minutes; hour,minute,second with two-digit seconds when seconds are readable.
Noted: 8,11
